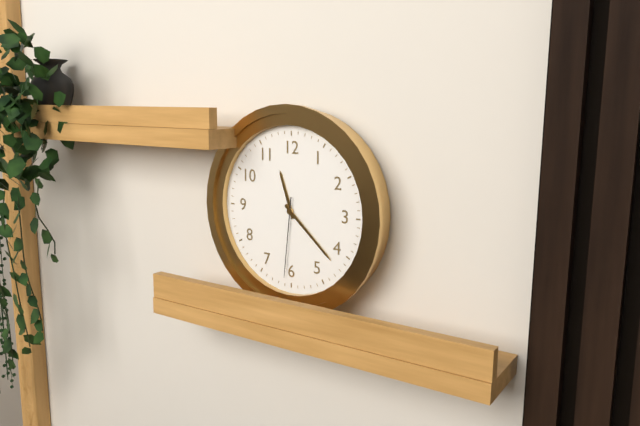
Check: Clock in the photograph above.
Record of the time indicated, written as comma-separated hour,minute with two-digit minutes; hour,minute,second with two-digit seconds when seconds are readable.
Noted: 11,22,31
